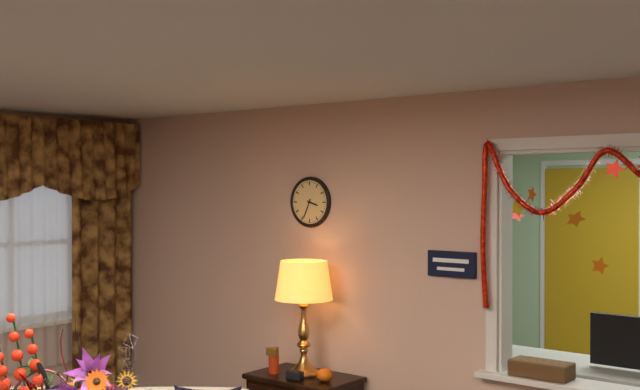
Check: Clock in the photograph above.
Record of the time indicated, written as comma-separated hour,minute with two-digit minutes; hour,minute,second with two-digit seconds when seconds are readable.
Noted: 3,34
